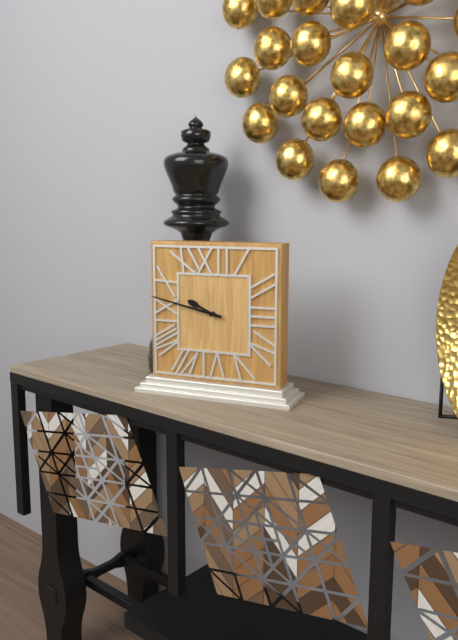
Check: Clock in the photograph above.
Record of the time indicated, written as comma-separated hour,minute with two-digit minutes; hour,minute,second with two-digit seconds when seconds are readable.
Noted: 9,47
